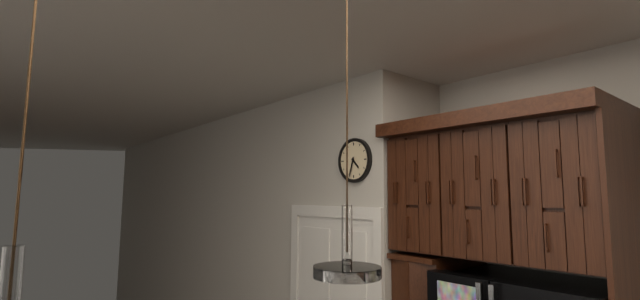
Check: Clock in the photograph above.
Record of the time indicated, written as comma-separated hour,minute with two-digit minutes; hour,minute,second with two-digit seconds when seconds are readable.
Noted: 4,33
